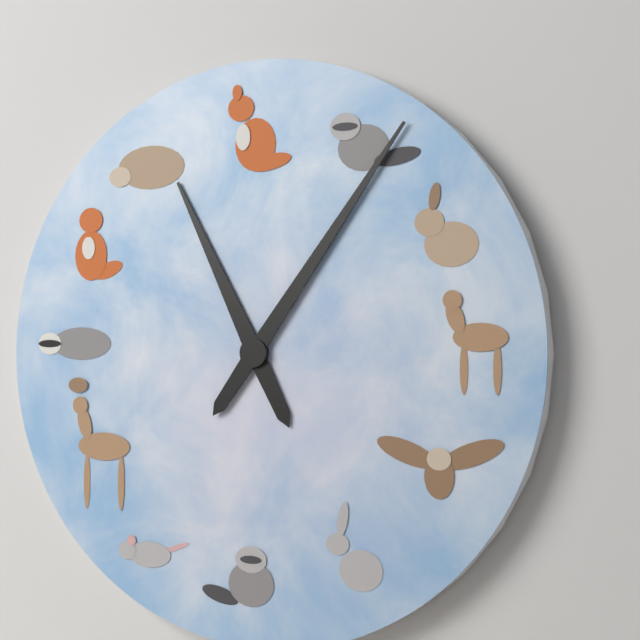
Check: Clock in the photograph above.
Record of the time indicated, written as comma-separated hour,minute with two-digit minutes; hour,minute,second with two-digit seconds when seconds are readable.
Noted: 11,06
